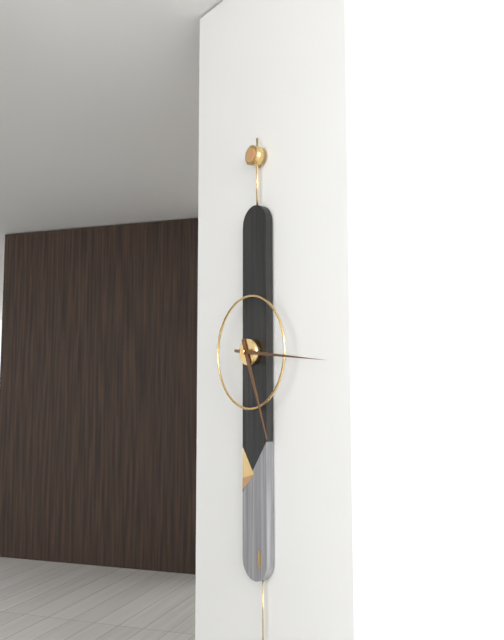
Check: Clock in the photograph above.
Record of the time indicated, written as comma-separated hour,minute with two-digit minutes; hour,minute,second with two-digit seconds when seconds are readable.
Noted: 5,16
